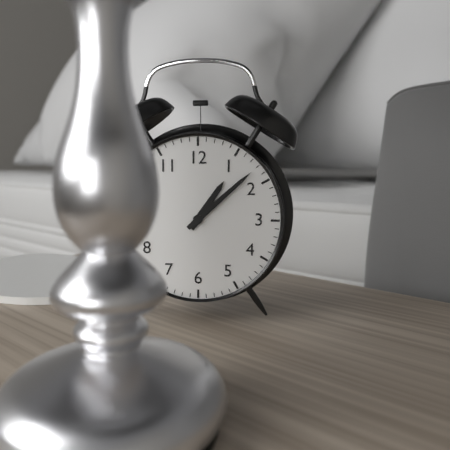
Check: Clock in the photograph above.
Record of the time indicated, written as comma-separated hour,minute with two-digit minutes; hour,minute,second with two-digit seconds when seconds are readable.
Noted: 1,08
